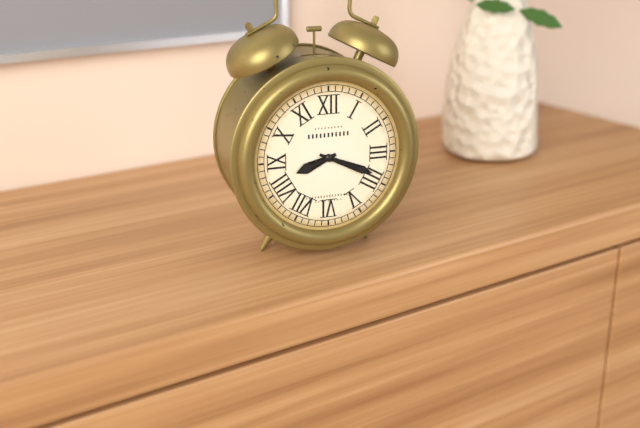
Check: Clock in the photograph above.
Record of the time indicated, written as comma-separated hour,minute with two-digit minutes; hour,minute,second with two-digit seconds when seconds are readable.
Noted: 8,19
